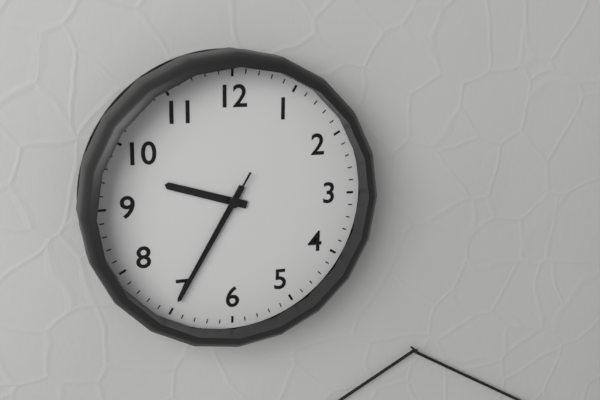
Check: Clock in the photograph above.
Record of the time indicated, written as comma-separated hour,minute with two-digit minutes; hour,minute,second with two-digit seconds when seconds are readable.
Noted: 9,35,35
